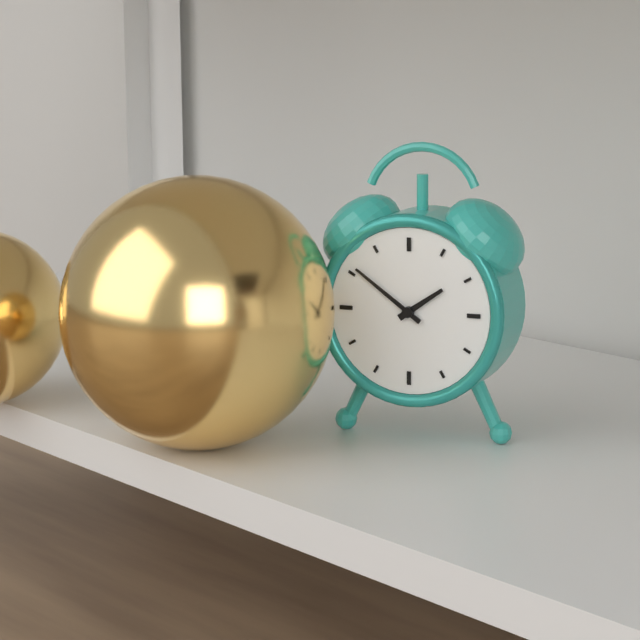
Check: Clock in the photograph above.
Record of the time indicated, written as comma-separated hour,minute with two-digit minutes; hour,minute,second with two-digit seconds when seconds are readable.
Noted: 1,51
